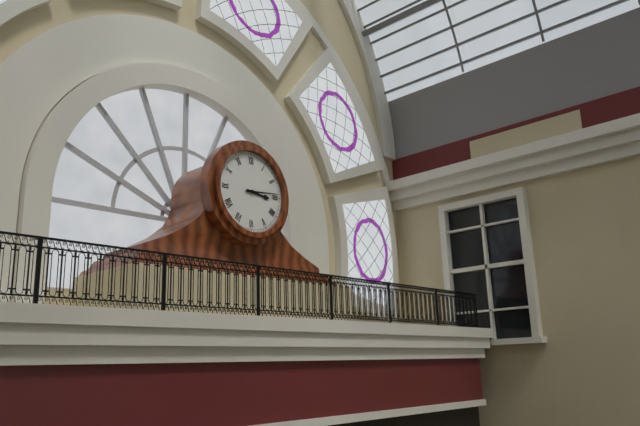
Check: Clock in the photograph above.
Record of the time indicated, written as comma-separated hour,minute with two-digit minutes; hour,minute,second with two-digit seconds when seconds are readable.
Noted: 3,14
